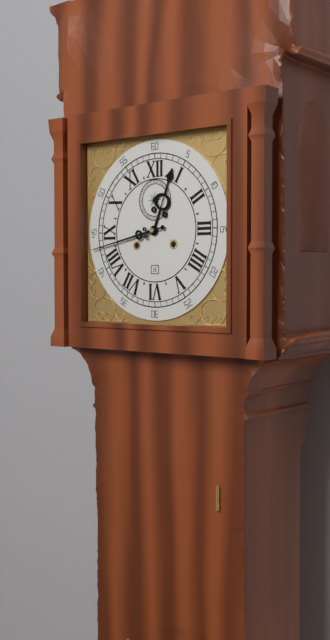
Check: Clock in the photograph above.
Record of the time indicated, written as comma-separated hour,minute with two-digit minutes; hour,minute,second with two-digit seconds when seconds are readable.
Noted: 12,43
